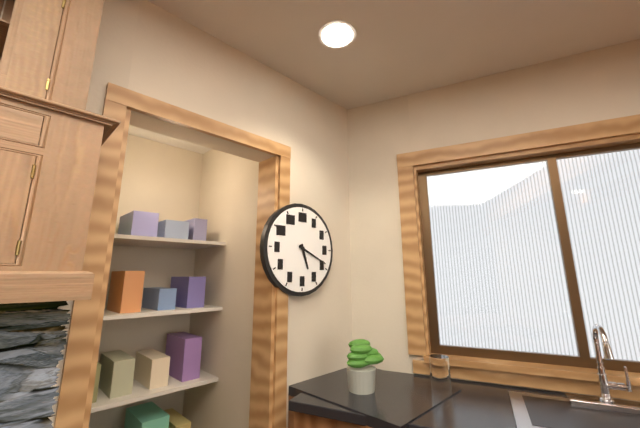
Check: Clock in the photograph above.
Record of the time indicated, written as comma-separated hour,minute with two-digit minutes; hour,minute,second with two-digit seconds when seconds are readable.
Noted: 5,19
